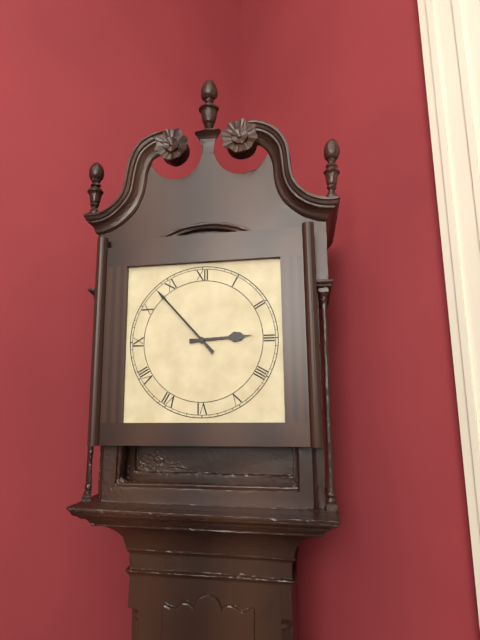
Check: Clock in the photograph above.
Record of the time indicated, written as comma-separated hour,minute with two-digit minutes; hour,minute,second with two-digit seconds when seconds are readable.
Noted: 2,53
